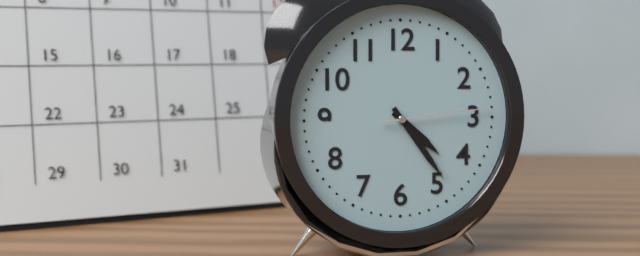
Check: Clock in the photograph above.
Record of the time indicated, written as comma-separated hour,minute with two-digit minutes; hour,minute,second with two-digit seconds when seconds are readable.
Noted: 4,24,14
